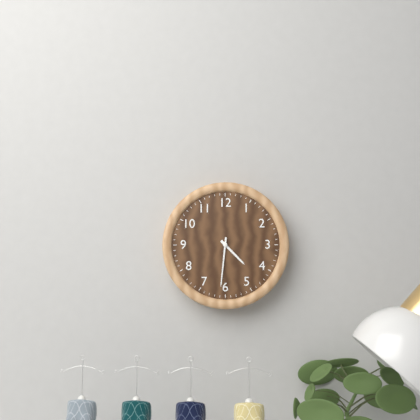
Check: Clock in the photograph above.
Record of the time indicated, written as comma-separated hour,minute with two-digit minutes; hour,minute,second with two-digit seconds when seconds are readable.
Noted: 4,31
